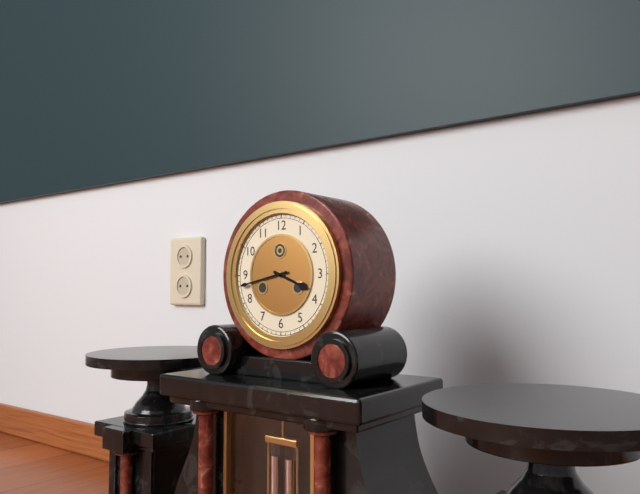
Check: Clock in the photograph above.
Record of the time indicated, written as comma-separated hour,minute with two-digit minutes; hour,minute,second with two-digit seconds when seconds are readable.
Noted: 3,43
